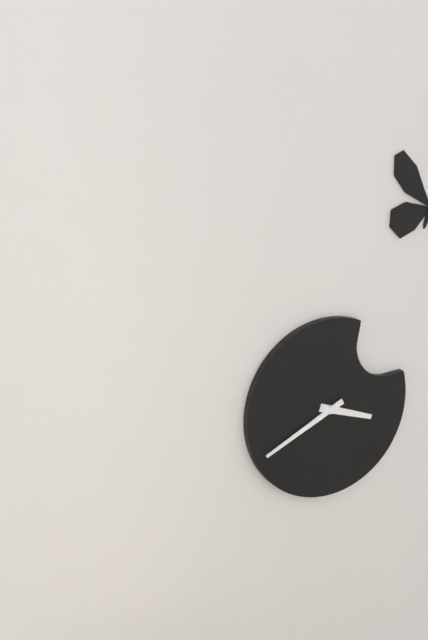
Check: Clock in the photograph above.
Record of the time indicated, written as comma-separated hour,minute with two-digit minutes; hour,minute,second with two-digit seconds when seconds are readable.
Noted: 3,41
